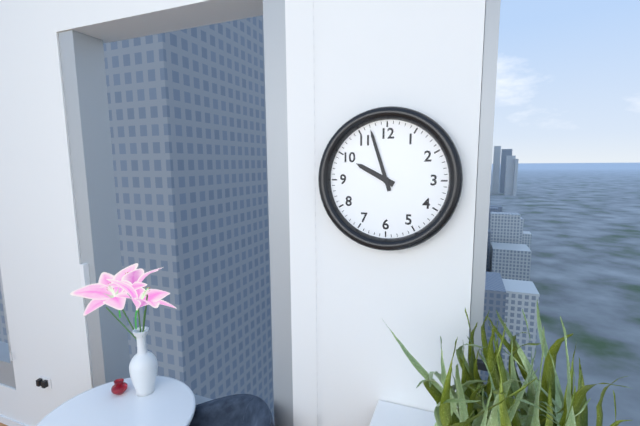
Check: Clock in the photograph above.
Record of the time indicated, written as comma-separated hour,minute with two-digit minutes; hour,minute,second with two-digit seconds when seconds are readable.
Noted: 9,57
